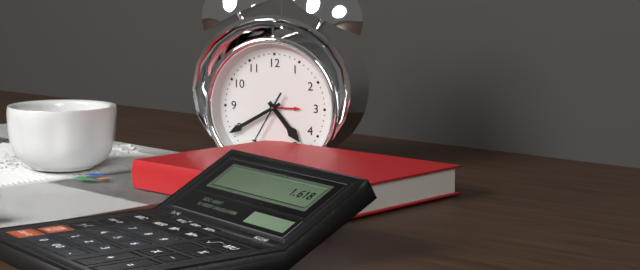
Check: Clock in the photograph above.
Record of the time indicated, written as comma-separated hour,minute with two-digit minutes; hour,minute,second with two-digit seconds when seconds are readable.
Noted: 4,40,35
